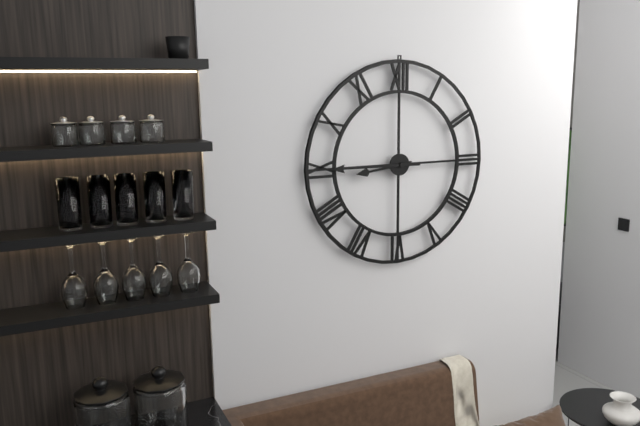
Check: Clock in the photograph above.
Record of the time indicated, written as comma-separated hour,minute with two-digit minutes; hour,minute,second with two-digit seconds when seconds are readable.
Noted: 8,45
